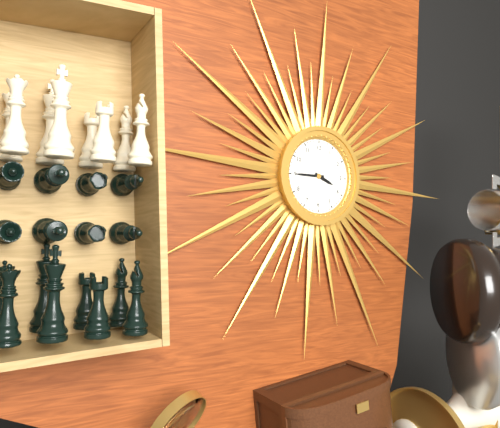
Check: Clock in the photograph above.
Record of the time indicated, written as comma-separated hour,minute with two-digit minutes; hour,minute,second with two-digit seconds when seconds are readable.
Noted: 3,45
